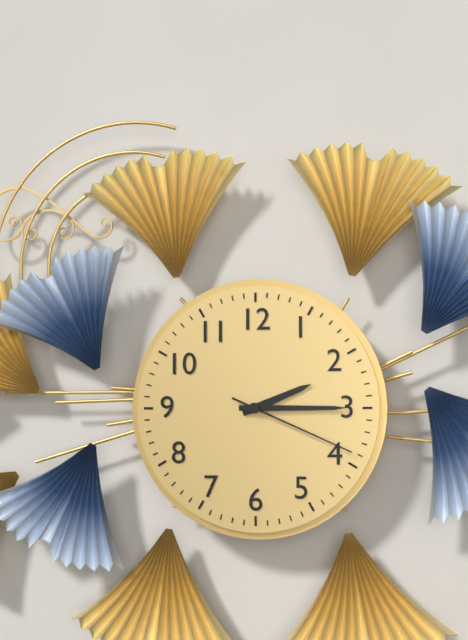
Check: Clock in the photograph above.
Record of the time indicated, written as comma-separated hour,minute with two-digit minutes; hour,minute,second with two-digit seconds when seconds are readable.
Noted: 2,15,19
